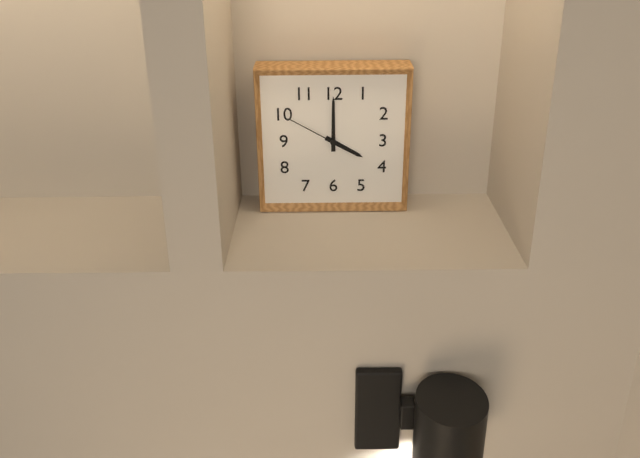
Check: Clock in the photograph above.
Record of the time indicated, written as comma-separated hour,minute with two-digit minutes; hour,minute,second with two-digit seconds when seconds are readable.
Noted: 4,00,50
